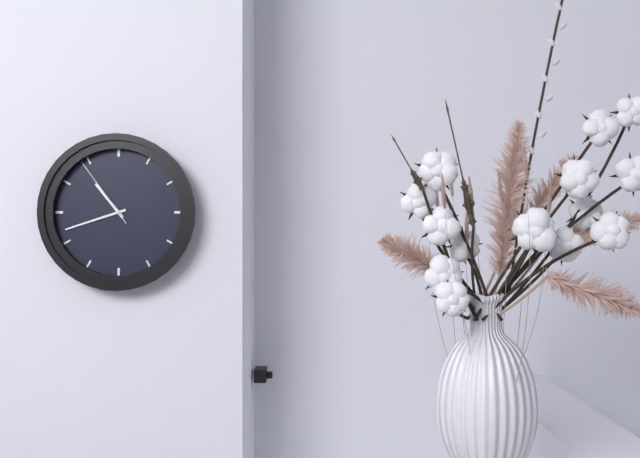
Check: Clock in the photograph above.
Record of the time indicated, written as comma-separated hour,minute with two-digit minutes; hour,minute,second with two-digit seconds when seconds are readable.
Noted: 10,42,54
